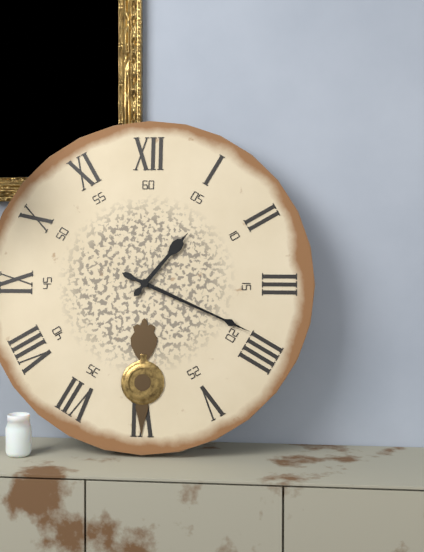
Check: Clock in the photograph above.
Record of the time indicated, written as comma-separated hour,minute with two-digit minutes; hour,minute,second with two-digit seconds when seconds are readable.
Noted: 1,19
